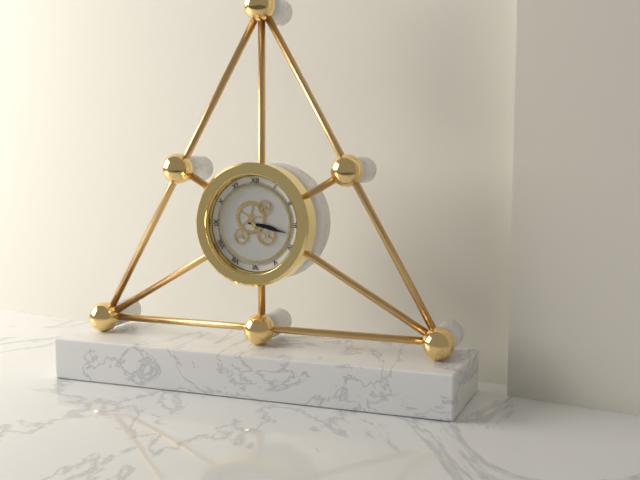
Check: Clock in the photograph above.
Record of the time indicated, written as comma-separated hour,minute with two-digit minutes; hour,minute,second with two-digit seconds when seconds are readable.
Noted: 3,17
